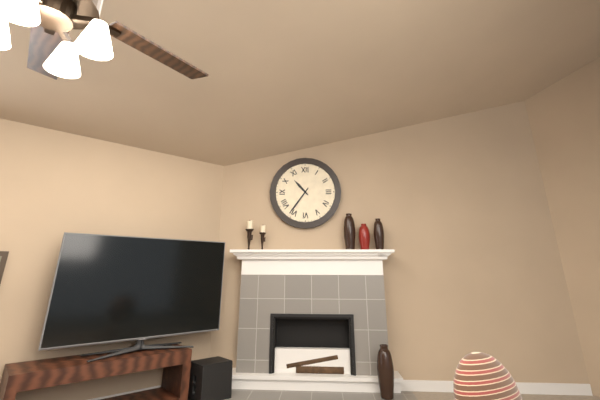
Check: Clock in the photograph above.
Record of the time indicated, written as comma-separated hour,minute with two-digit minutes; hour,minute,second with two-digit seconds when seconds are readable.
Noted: 10,36
